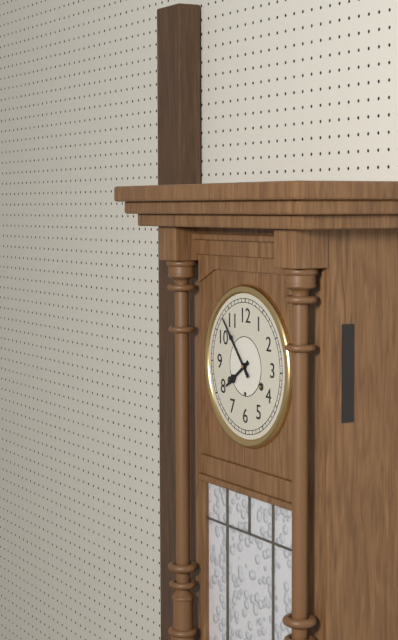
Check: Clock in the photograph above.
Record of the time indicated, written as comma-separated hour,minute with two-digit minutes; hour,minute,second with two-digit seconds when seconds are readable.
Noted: 7,53
